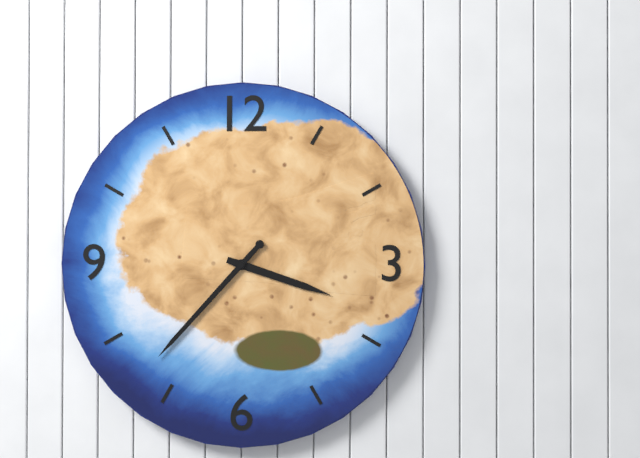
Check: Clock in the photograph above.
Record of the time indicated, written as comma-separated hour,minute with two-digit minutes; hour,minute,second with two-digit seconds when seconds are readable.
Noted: 3,37
